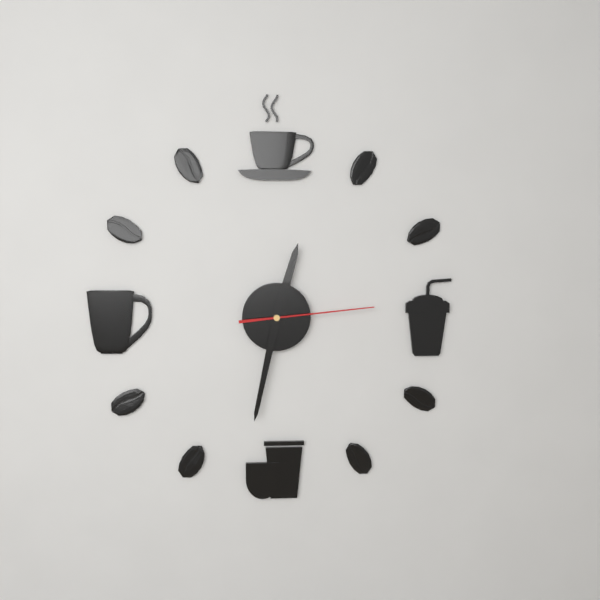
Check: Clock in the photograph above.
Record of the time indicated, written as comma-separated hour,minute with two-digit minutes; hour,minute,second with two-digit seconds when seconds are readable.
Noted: 12,32,14
